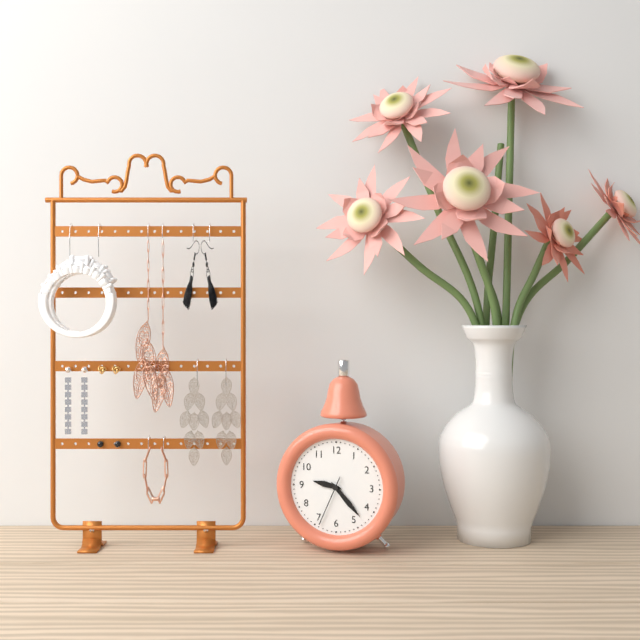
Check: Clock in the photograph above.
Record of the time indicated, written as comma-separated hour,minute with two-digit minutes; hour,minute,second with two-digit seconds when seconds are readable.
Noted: 9,23,34
